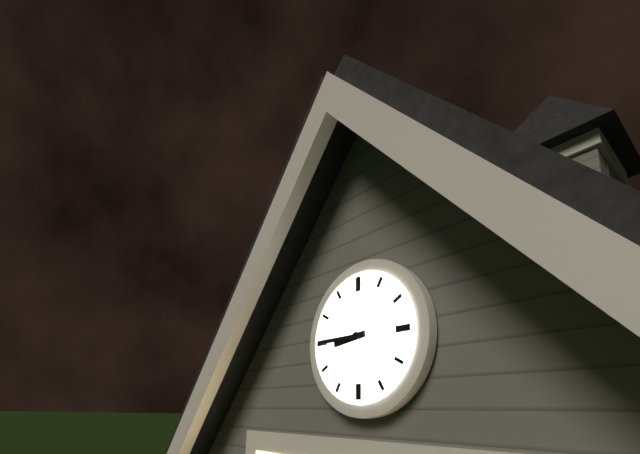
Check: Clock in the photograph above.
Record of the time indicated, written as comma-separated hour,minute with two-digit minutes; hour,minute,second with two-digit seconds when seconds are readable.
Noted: 8,45
